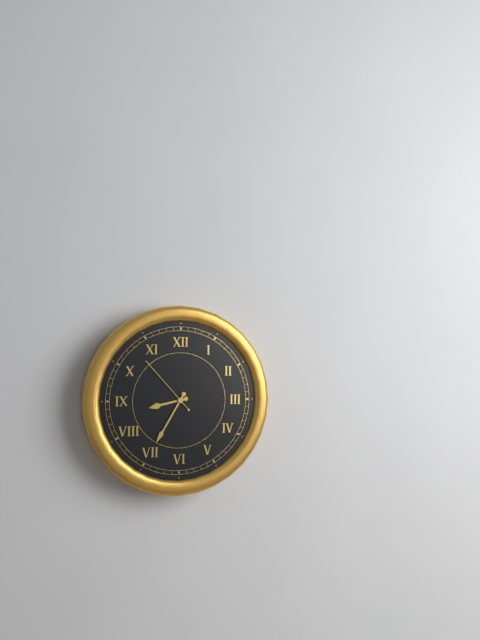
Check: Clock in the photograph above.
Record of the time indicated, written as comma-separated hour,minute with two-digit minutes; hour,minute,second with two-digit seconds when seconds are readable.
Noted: 8,35,53
